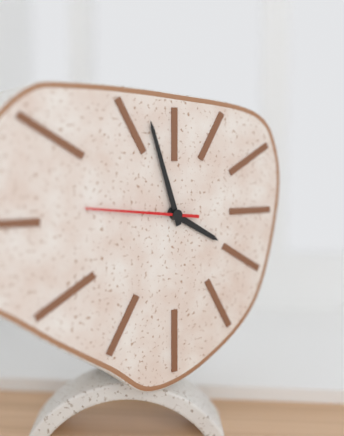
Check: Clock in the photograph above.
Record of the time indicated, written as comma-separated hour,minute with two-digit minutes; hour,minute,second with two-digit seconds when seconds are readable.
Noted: 3,57,46
